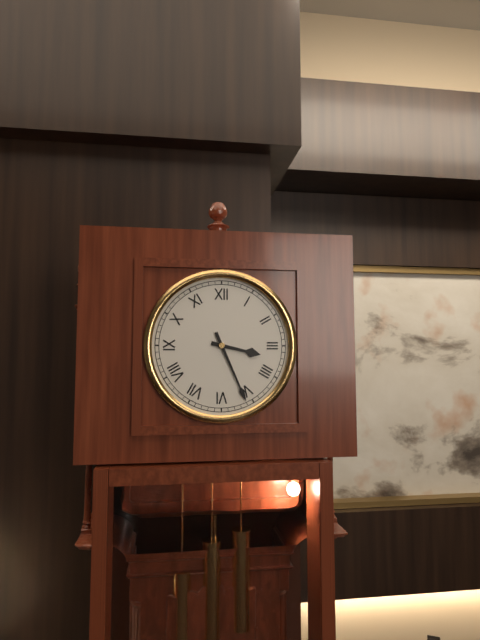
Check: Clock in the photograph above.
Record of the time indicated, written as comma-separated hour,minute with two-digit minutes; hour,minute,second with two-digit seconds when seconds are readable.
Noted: 3,26
